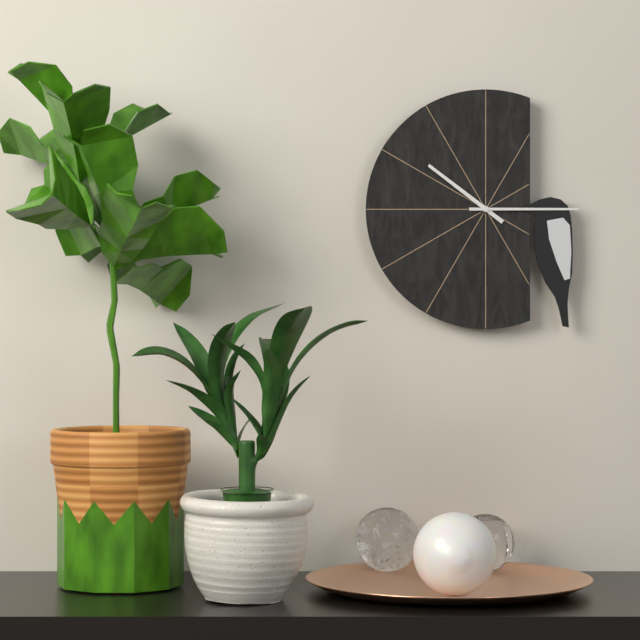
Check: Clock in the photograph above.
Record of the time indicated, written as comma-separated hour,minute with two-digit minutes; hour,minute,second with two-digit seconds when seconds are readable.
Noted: 10,15
